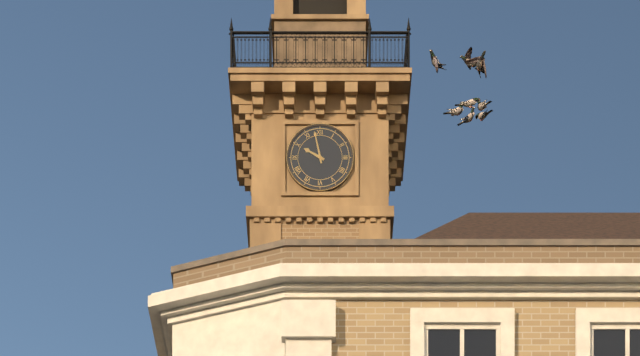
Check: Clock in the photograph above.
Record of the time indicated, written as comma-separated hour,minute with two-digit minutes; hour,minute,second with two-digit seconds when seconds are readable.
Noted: 9,58
